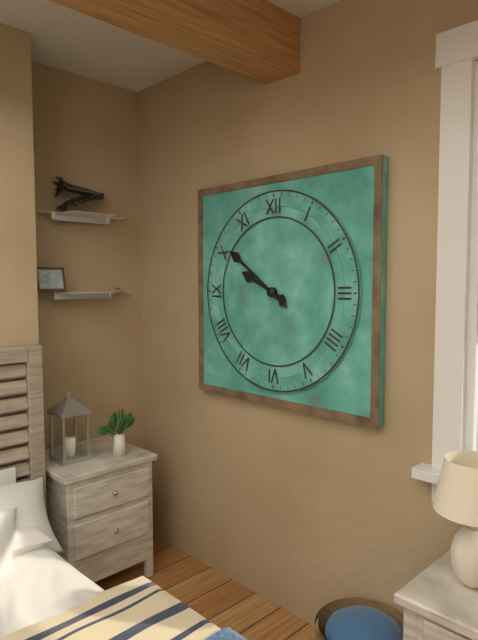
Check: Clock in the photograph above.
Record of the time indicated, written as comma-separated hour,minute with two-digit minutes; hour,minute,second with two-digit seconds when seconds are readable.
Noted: 9,51
